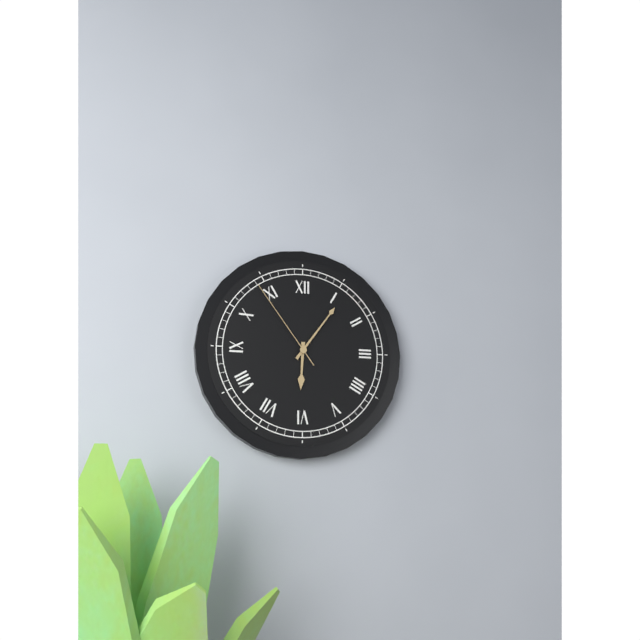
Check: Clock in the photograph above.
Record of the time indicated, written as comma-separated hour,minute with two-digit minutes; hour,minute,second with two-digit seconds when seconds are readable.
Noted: 6,06,54
